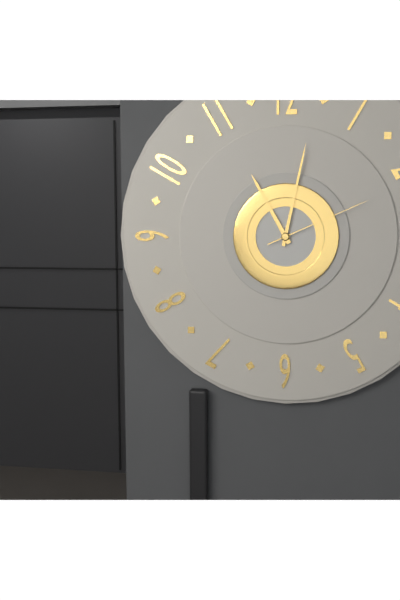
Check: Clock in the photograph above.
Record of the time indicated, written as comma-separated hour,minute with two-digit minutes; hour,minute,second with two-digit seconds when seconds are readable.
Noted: 11,02,11
